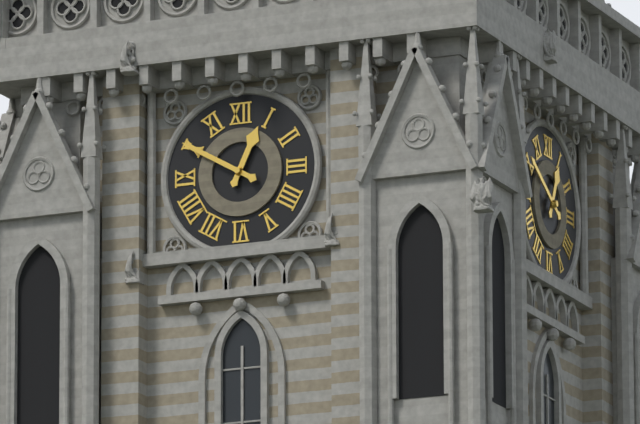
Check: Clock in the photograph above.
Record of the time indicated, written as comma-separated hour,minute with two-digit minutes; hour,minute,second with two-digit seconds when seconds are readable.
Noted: 12,50
